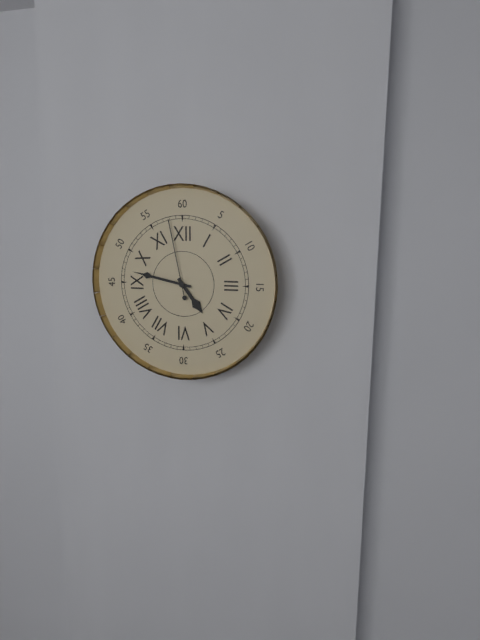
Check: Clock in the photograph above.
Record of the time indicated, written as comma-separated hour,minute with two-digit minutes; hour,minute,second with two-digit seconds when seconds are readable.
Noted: 4,47,58
